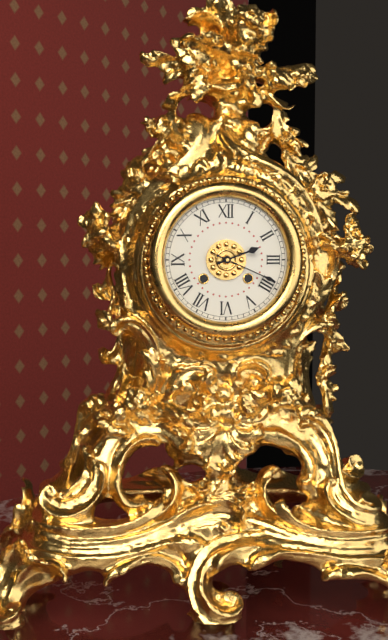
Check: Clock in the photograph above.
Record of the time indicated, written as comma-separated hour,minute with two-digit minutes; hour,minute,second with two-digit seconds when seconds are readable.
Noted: 2,19
